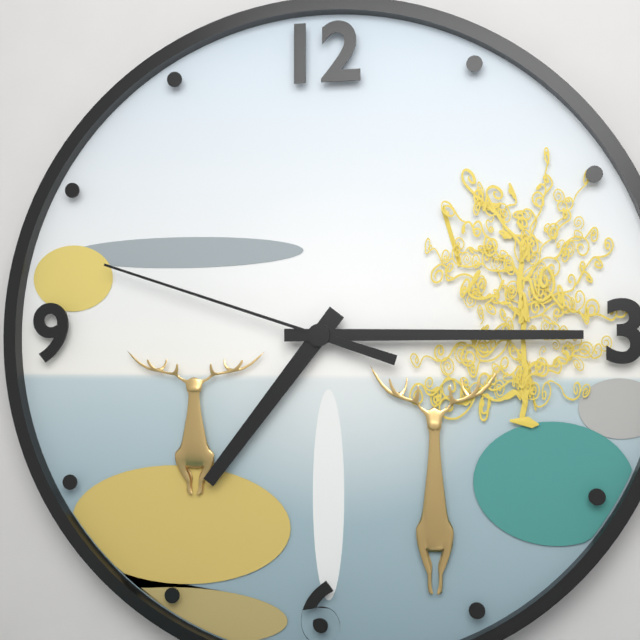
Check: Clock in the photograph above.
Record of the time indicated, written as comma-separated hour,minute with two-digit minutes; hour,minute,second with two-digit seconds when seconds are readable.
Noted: 7,15,48
